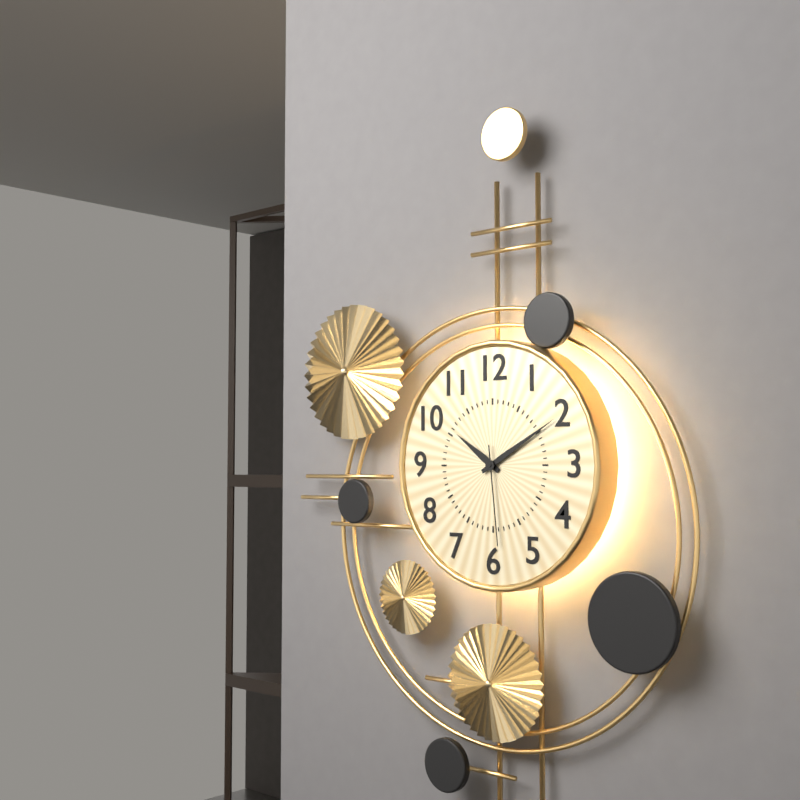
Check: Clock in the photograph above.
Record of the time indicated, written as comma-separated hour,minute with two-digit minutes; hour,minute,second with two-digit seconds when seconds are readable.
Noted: 10,10,29
